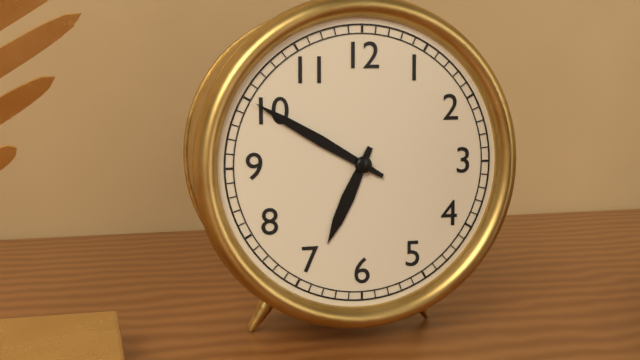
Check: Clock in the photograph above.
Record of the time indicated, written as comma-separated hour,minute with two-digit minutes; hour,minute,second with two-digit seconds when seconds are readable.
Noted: 6,50
